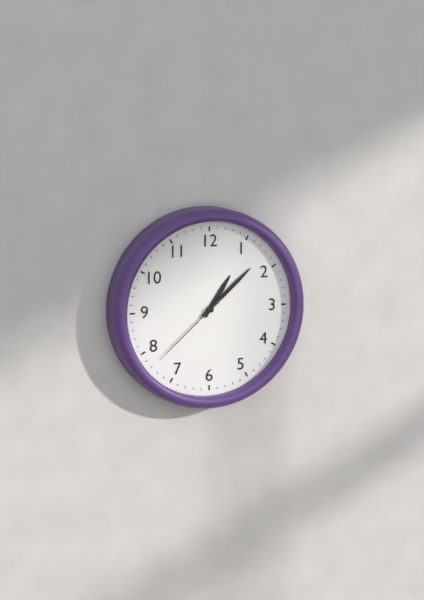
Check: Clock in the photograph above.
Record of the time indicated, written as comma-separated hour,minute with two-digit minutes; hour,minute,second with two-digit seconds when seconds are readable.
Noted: 1,08,38
